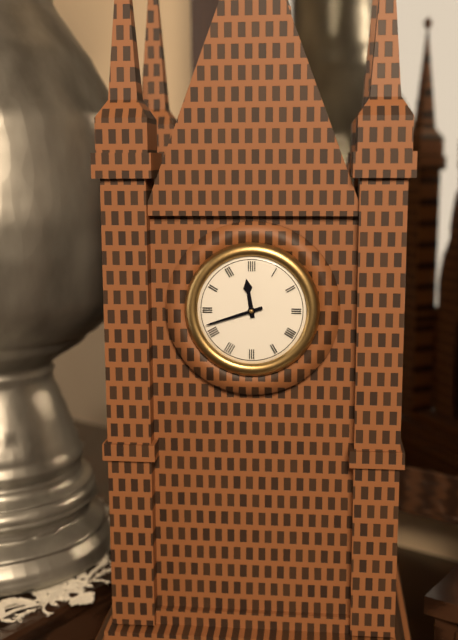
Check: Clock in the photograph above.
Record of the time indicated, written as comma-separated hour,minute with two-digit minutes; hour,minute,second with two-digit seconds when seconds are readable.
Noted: 11,42
